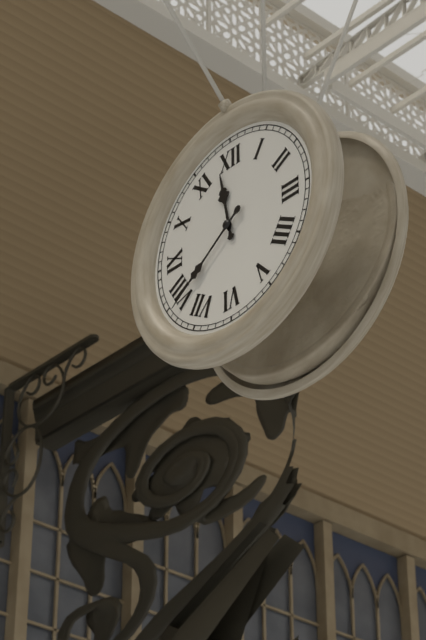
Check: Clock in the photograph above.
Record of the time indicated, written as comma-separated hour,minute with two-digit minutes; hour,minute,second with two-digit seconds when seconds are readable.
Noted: 11,39
